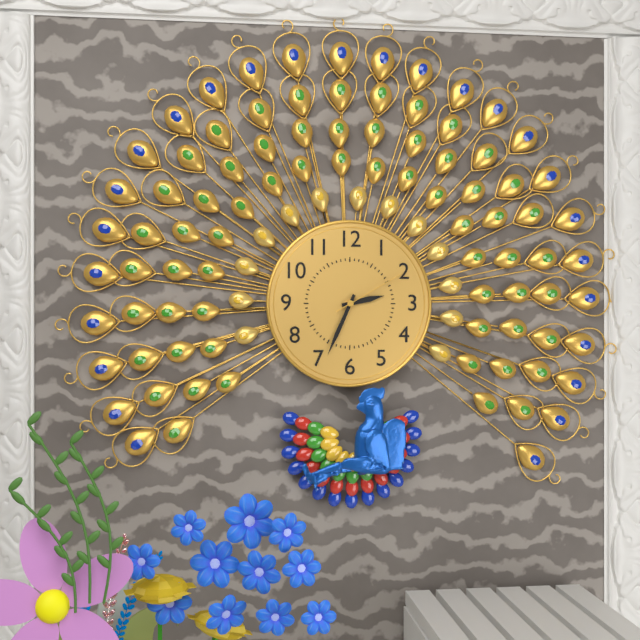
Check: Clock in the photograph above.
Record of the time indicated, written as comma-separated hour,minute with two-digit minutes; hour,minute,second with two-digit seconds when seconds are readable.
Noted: 2,34,10
